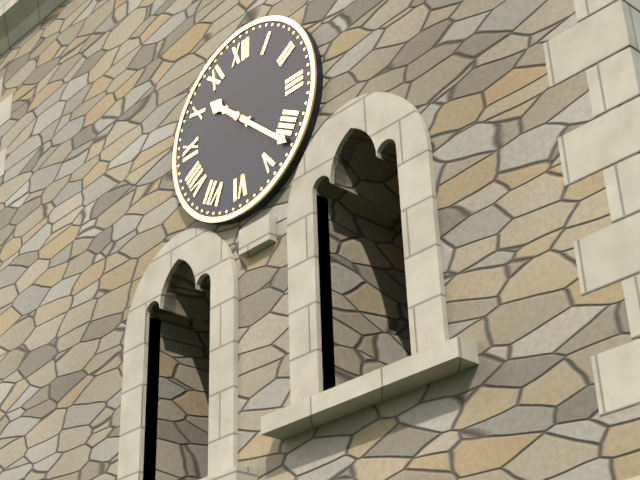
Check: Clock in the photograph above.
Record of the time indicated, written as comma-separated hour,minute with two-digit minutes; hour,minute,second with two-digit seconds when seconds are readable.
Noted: 10,22
